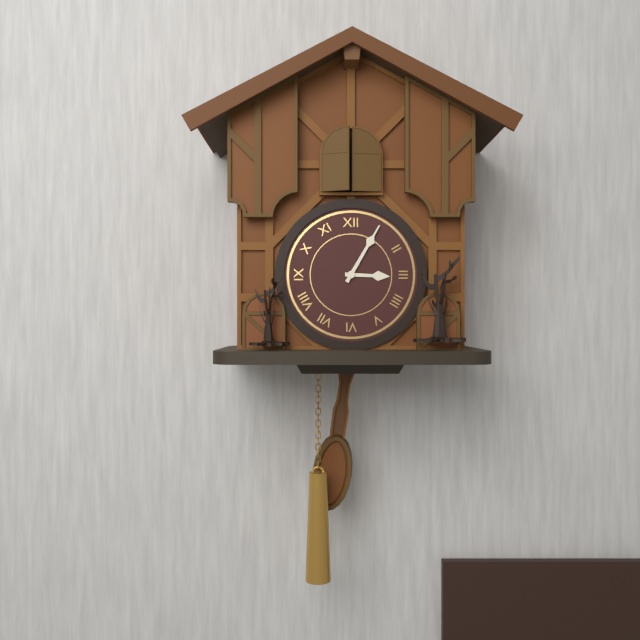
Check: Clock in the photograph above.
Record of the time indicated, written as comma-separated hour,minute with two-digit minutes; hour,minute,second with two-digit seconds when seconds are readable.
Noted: 3,05
